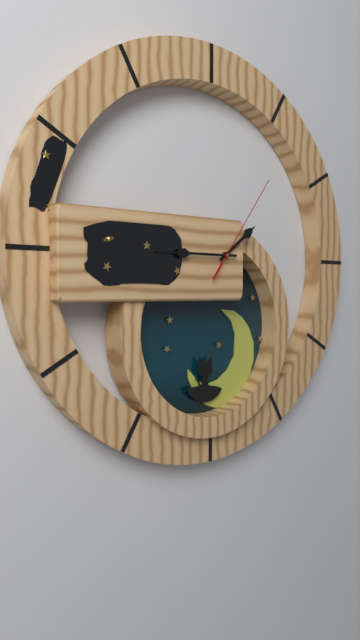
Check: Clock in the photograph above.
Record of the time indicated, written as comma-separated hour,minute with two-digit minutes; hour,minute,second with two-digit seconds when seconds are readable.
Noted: 1,45,06
